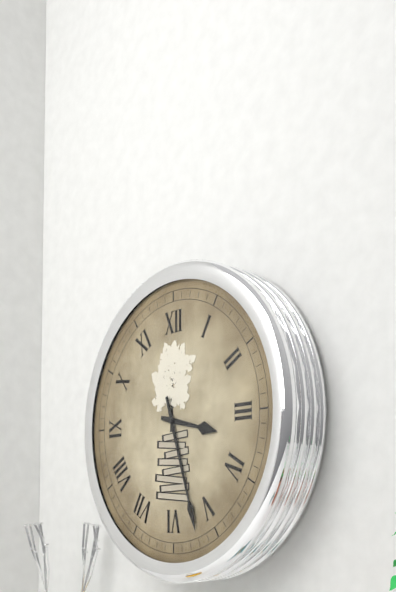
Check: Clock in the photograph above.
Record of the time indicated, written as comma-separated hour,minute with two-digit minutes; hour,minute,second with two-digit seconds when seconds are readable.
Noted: 3,27
